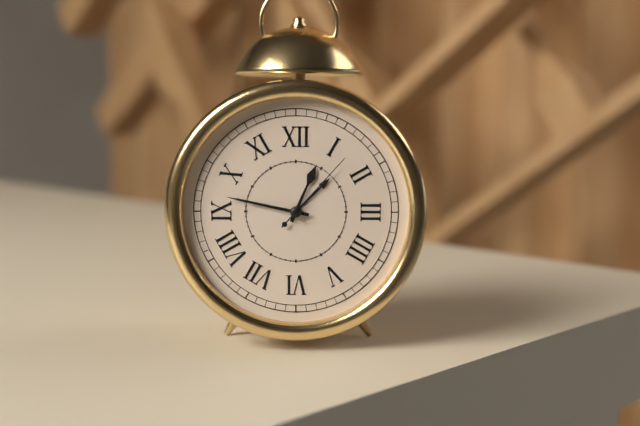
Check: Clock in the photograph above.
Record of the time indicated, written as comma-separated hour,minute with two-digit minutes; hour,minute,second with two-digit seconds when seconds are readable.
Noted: 12,47,07
